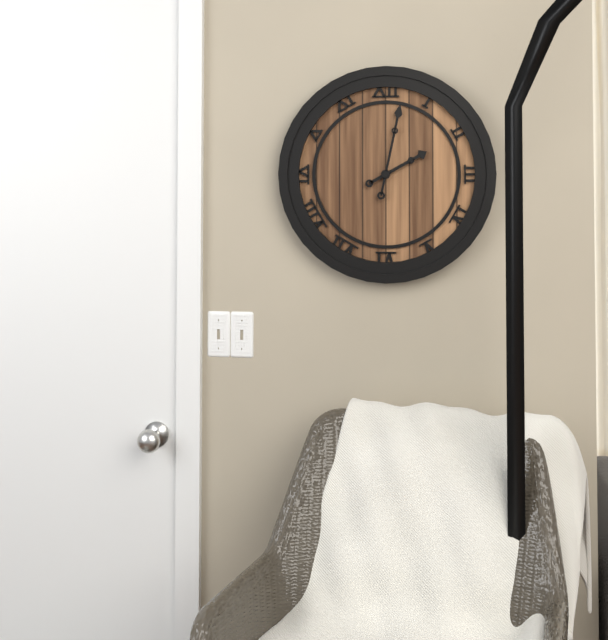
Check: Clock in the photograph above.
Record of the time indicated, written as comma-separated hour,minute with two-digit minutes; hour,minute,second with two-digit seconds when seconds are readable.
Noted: 2,02
